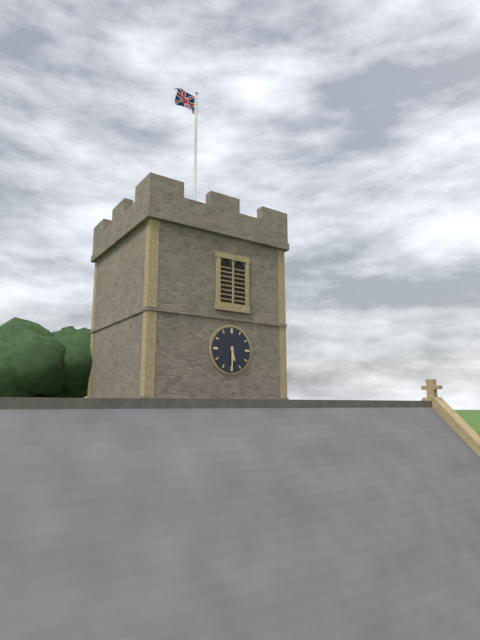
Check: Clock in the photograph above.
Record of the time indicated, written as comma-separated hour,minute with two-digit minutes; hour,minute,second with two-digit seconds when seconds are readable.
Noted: 5,30
